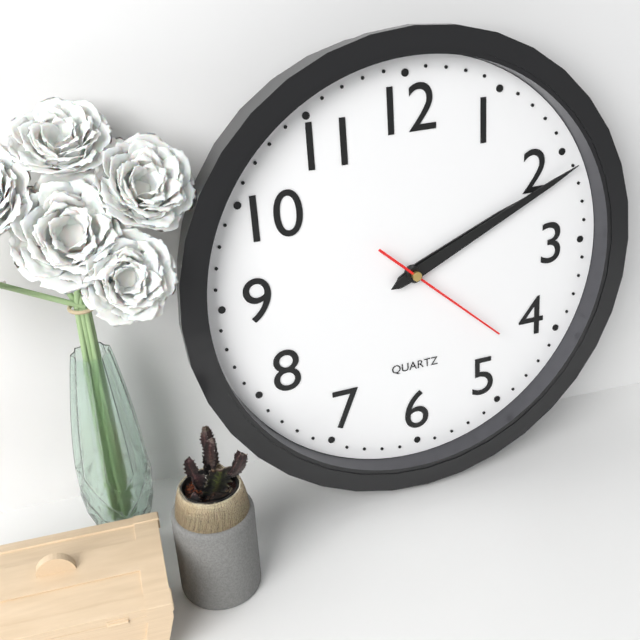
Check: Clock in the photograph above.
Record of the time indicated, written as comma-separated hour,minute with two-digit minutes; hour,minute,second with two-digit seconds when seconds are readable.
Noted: 2,11,22
